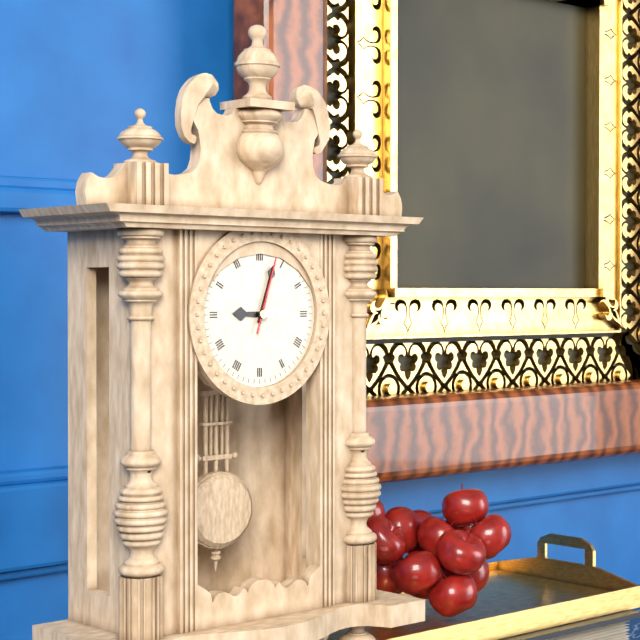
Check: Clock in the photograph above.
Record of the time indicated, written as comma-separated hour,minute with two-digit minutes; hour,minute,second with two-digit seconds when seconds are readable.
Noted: 9,03,03
